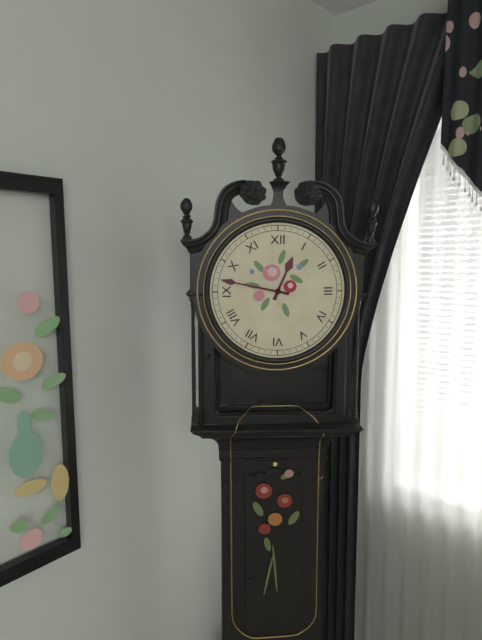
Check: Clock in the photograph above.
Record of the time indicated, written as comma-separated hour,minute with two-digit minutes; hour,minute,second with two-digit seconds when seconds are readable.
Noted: 12,47
